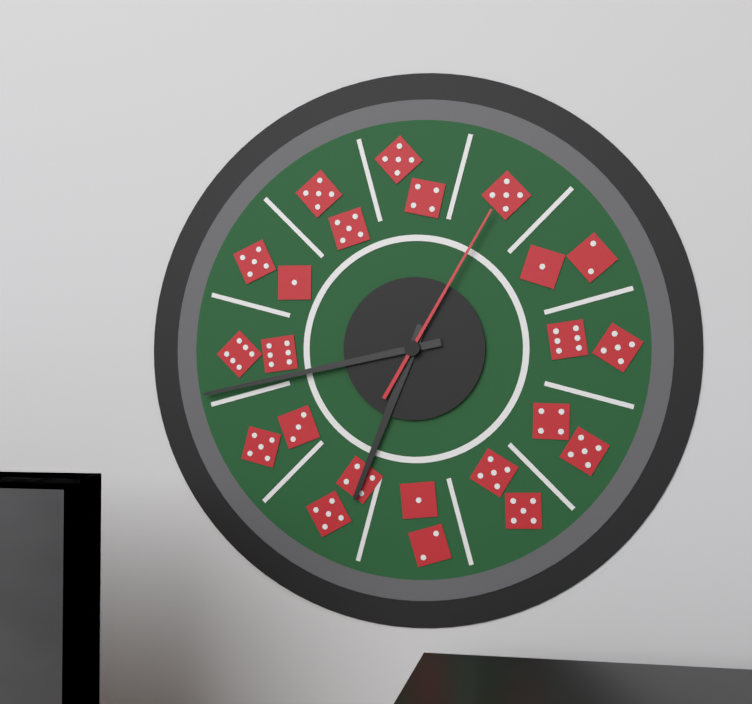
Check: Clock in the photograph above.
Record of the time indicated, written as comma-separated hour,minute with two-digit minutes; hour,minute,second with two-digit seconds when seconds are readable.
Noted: 6,43,05
